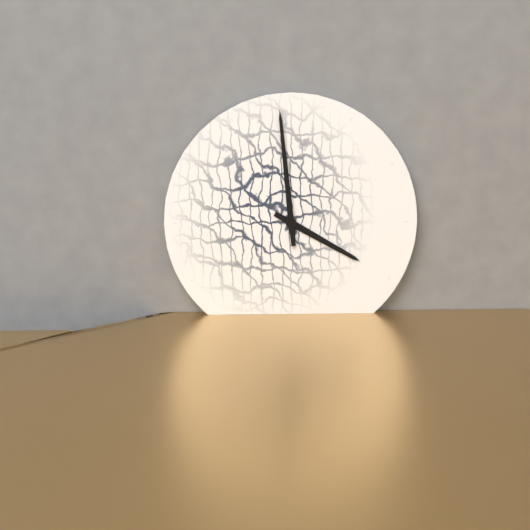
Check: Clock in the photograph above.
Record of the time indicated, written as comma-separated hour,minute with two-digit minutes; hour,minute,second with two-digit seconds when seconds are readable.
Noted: 3,59
